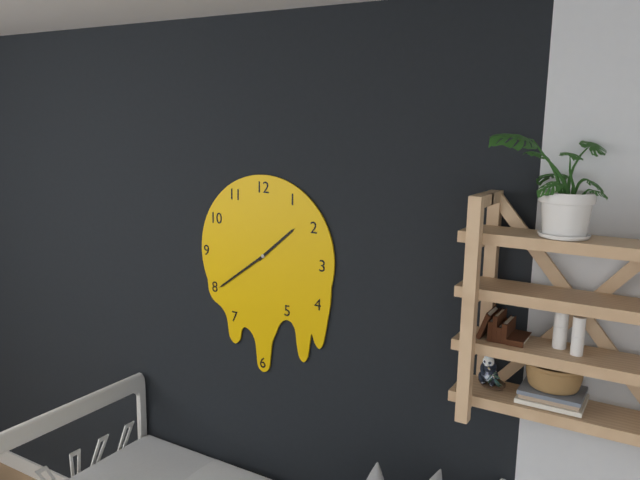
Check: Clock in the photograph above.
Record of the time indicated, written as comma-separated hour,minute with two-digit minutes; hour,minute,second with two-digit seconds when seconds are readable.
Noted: 1,39
